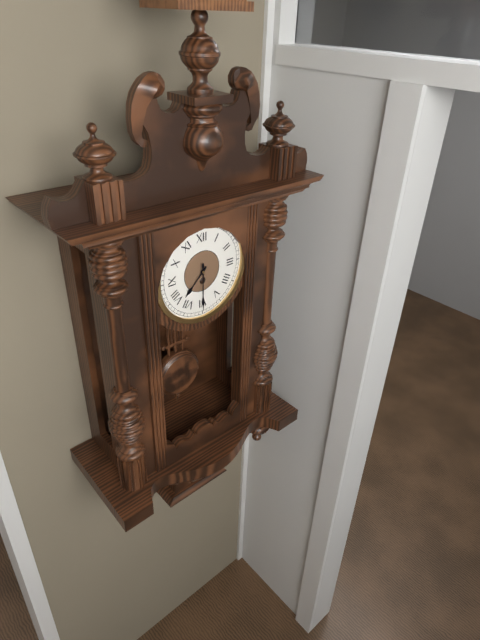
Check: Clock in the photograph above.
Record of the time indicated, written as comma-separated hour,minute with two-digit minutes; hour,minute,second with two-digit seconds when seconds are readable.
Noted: 7,30
